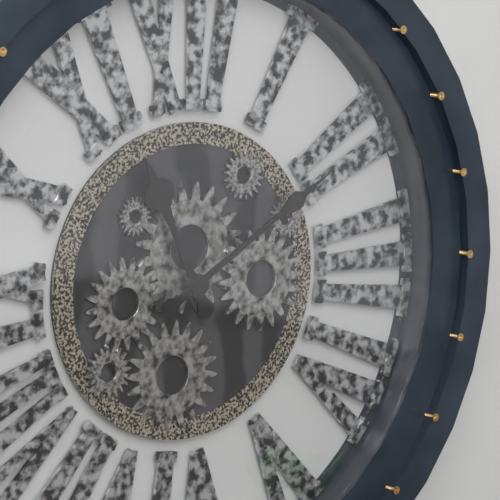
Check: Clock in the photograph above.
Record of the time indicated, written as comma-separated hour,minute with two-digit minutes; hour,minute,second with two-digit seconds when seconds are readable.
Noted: 11,10
